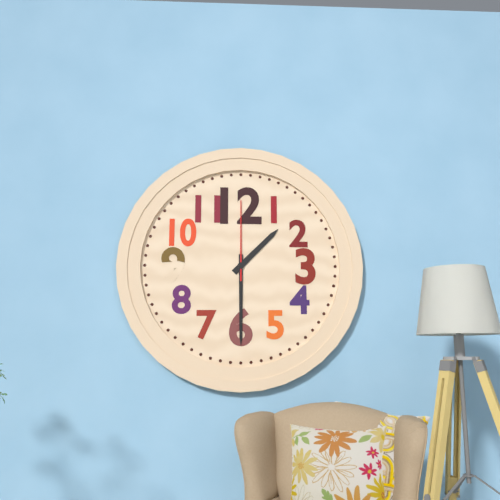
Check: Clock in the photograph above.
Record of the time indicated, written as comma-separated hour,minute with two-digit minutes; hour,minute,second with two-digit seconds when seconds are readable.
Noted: 1,30,00
